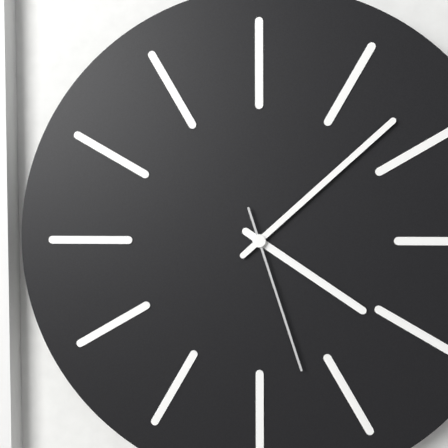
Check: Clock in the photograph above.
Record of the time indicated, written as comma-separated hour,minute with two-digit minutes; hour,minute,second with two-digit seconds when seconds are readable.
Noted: 4,08,27
